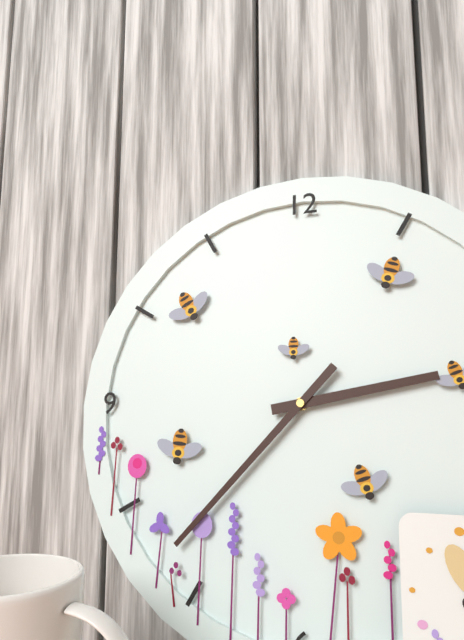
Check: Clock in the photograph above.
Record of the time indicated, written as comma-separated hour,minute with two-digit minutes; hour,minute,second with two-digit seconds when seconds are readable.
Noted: 2,37
